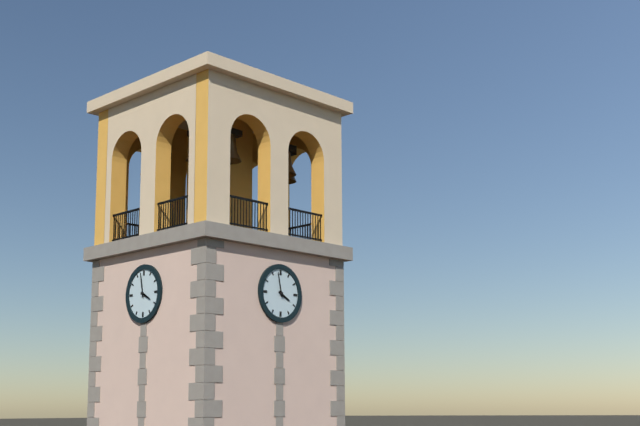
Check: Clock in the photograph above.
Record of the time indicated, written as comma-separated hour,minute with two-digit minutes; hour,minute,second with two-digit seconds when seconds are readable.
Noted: 3,58
